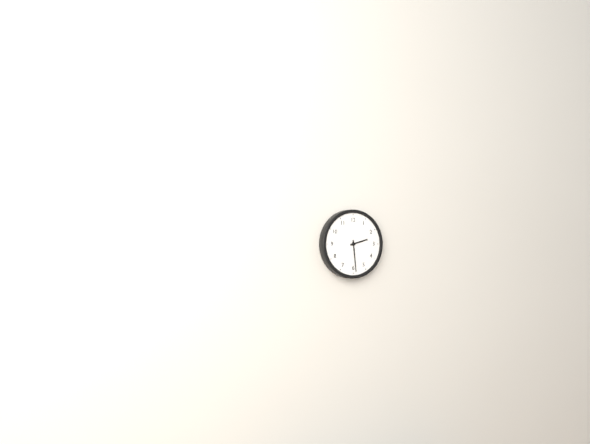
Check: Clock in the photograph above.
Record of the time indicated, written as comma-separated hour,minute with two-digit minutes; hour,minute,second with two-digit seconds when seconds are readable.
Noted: 2,29
